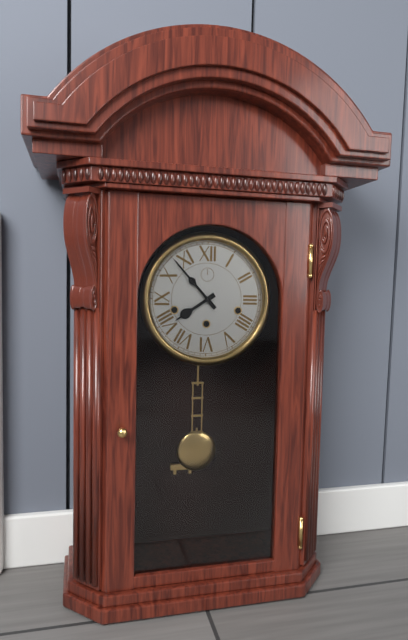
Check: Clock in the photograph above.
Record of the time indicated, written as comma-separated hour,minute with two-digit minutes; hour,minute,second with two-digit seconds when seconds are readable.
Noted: 7,53
